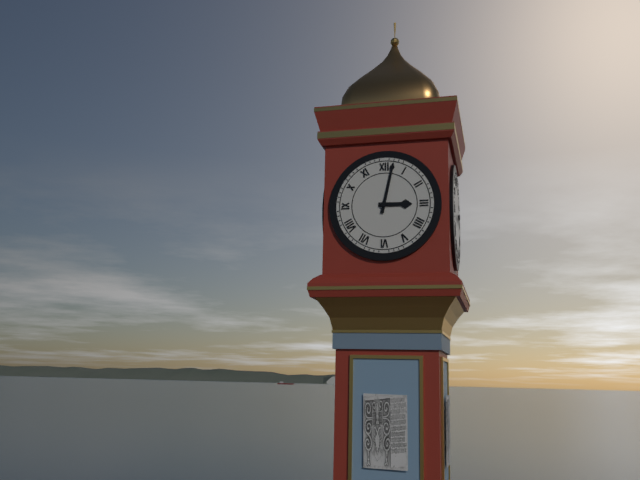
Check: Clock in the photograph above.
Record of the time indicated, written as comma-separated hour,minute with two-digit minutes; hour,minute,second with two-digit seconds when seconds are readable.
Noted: 3,02
